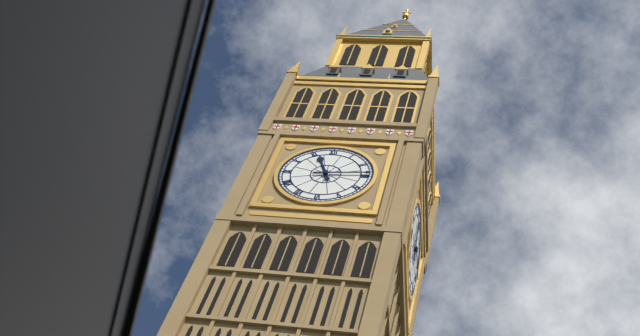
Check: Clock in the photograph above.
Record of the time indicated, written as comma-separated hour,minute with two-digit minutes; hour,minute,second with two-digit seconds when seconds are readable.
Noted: 11,14
